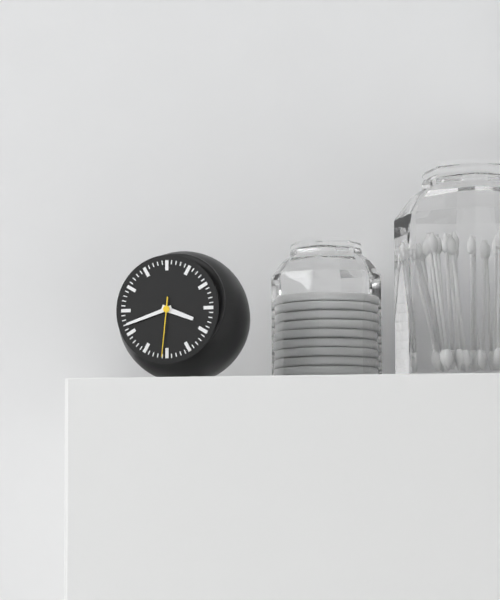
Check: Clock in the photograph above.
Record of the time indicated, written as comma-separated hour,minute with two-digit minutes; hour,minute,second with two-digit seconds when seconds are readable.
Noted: 3,42,31
